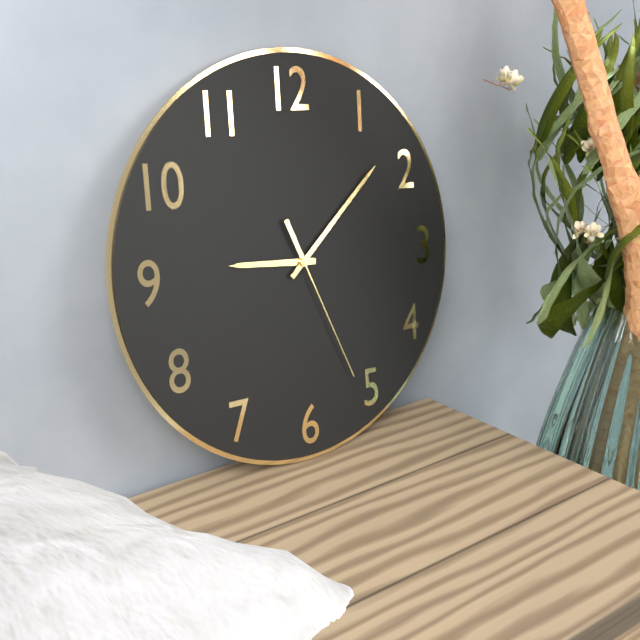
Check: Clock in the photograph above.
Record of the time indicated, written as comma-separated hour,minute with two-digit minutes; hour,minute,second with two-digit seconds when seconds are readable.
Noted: 9,08,26
